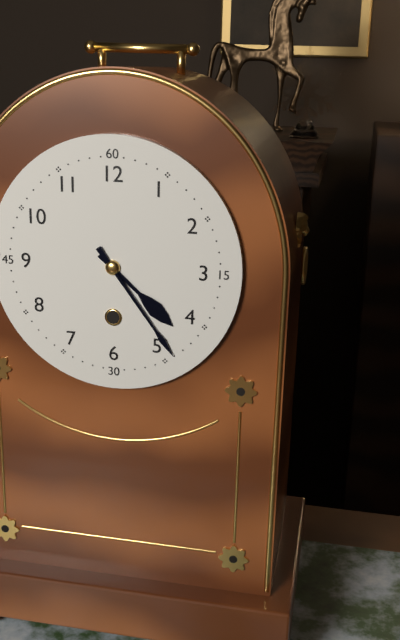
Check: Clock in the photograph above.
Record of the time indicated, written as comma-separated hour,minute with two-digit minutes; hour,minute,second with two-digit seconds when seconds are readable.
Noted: 4,24
